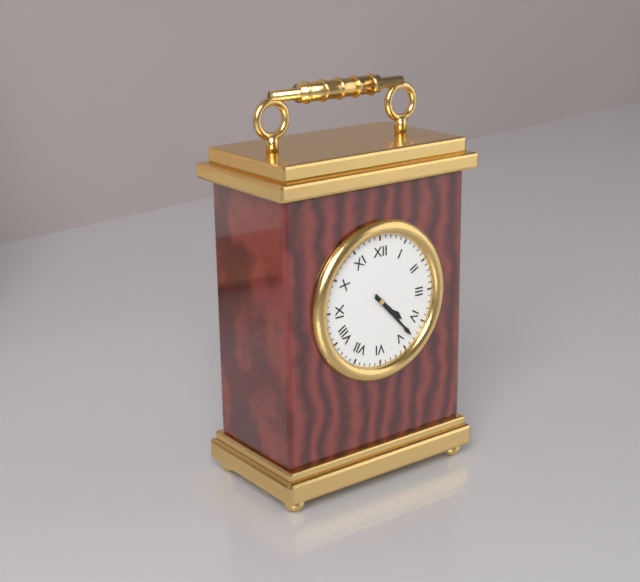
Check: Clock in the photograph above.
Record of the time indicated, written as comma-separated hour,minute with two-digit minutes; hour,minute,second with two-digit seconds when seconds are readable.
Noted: 4,23
